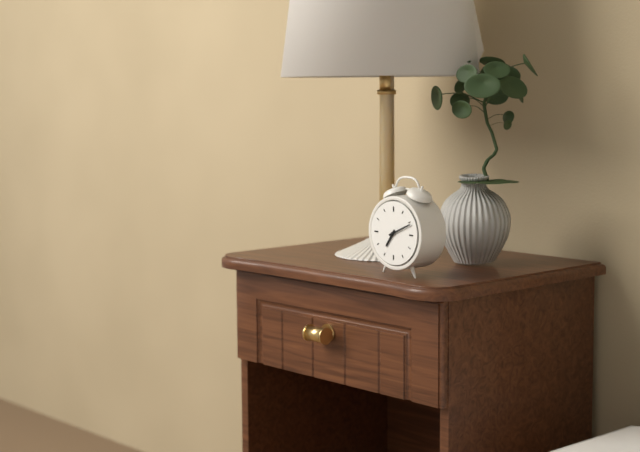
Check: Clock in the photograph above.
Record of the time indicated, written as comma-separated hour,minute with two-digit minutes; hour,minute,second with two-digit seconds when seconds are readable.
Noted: 7,11
